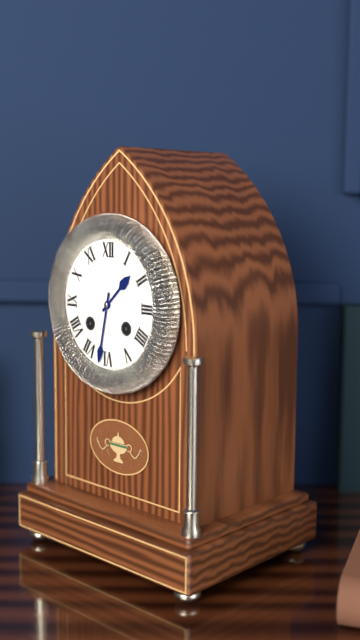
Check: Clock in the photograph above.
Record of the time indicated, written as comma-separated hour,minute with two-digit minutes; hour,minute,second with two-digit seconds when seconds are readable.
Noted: 1,32
